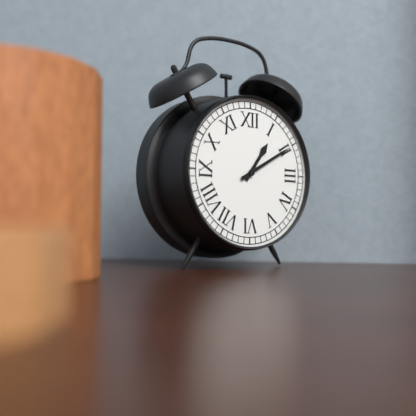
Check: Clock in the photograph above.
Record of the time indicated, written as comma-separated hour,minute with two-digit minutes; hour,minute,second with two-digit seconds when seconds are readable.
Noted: 1,10
